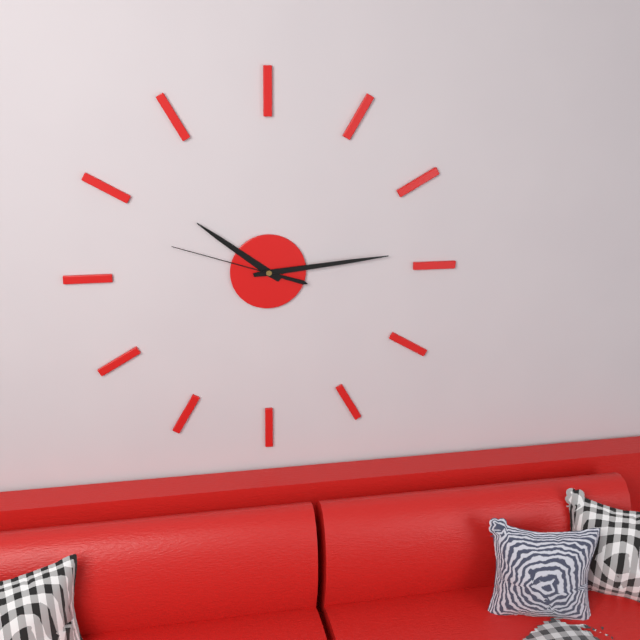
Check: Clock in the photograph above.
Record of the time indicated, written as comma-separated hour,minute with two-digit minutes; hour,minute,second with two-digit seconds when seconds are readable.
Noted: 10,14,48
